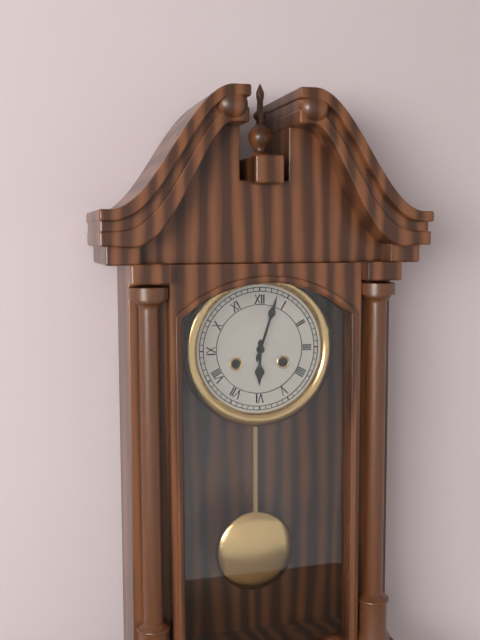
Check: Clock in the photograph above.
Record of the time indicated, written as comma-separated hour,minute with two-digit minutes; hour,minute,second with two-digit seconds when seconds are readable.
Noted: 6,03
